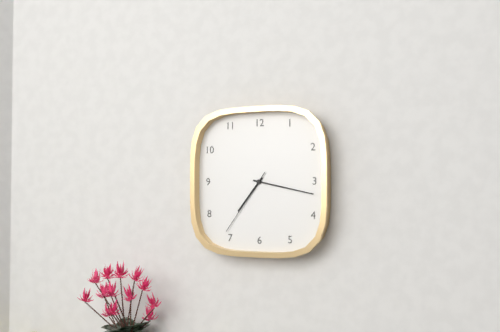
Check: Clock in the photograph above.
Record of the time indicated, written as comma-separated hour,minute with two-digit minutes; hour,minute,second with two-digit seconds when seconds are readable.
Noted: 7,17,36
